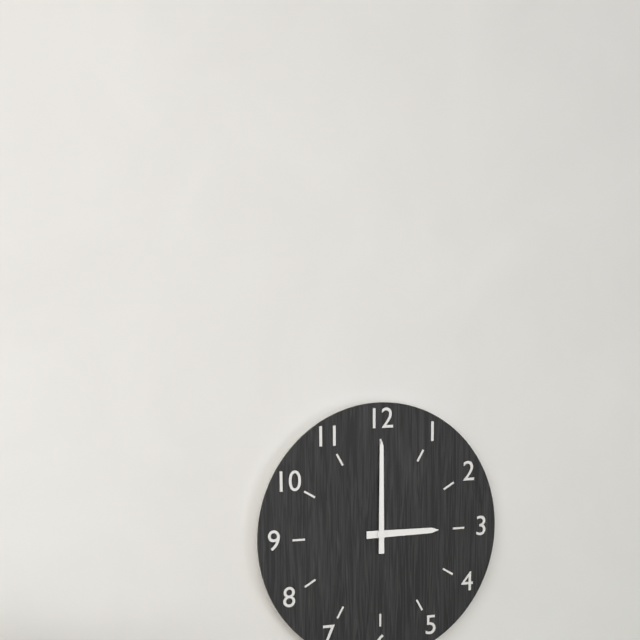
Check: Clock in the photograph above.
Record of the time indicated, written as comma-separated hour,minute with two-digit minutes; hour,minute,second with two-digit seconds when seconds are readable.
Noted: 3,00
